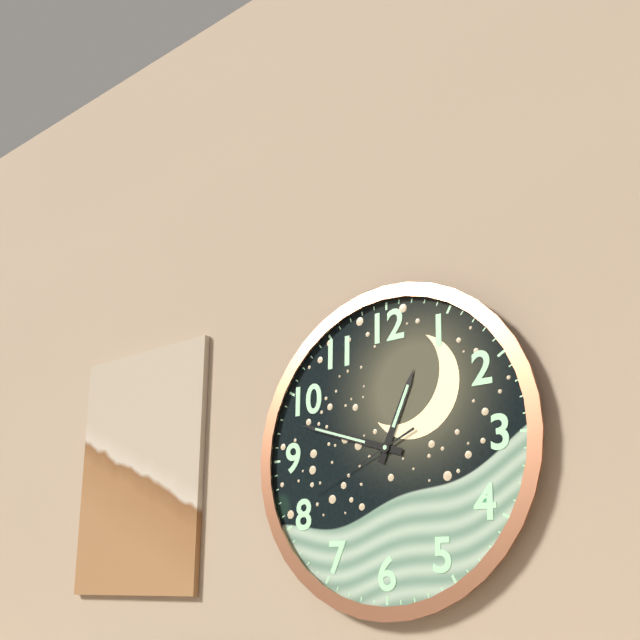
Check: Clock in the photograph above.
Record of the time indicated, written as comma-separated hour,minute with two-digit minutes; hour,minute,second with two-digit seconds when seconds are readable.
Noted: 12,48,41
